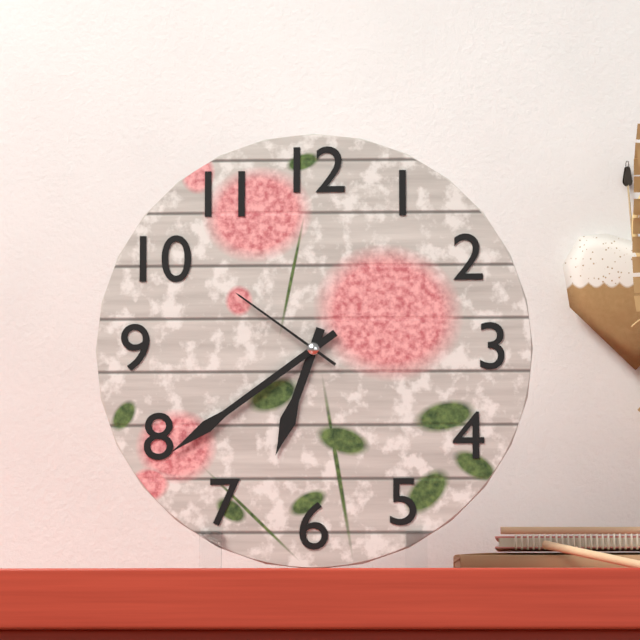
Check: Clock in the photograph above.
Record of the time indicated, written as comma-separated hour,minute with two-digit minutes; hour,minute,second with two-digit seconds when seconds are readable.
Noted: 6,39,51
